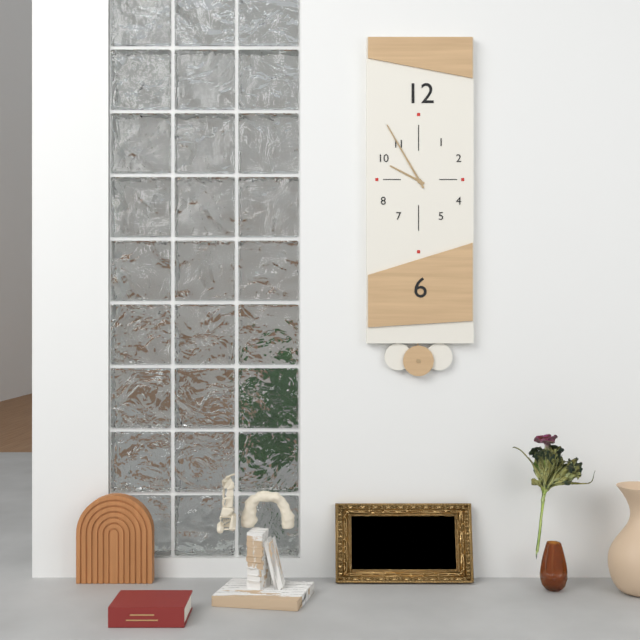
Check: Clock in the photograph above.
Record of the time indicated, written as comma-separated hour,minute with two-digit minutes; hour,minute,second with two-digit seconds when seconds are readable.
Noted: 9,55
